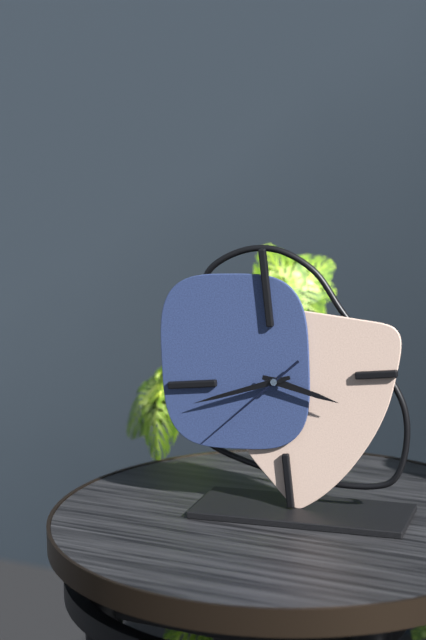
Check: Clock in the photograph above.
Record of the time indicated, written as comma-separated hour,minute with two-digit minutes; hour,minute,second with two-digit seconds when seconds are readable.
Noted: 3,43,39
